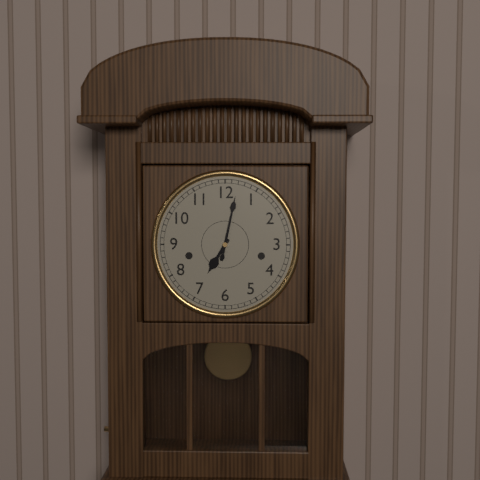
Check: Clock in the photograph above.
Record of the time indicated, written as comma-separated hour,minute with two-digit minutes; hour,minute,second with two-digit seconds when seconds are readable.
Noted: 7,02
